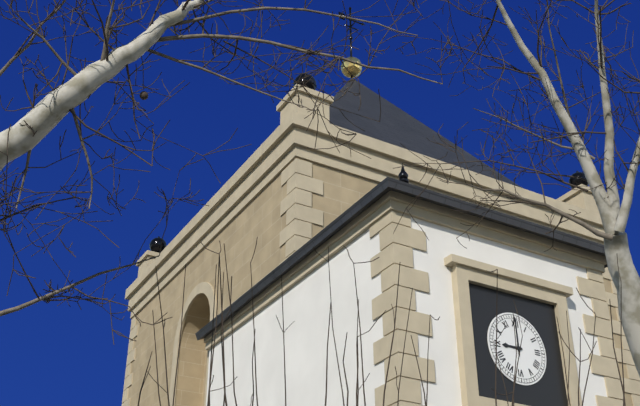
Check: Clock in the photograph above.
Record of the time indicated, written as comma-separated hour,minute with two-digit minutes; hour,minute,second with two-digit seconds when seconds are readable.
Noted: 9,00
